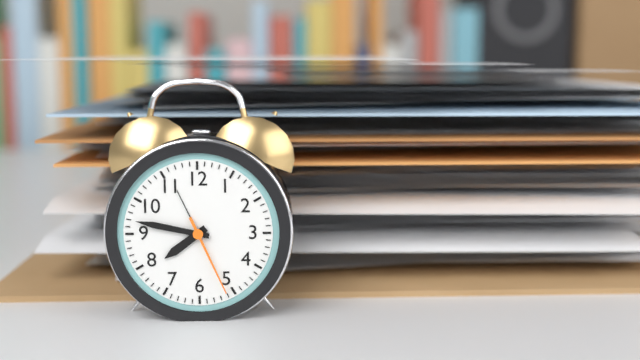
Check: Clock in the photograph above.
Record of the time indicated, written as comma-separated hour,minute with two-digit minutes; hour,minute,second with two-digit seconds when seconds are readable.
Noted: 7,47,26
